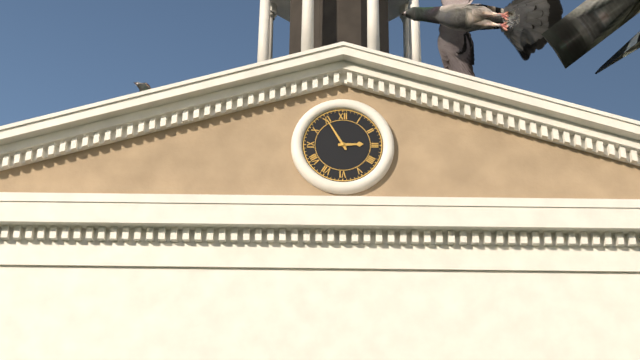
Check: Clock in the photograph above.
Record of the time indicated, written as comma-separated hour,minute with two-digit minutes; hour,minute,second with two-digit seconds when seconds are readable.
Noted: 2,55
